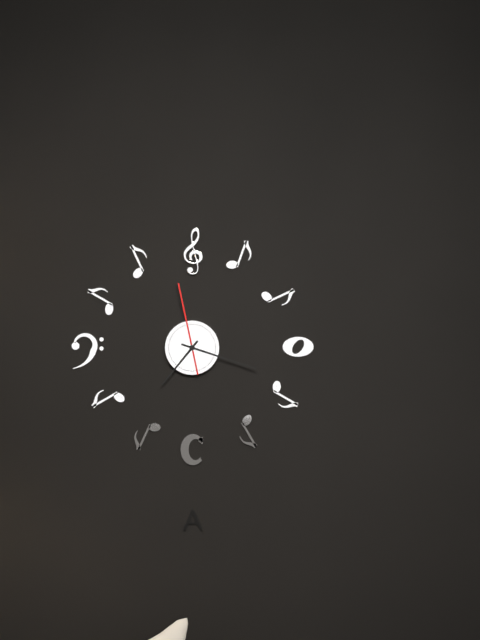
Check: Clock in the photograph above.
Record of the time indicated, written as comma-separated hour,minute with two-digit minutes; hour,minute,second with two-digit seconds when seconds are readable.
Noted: 7,18,58
